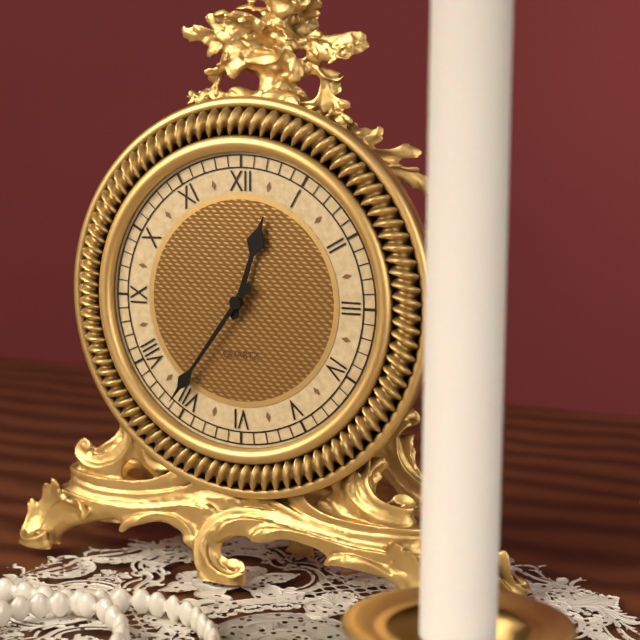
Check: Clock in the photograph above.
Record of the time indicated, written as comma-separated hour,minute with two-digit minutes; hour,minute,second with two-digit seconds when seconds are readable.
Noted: 12,36
